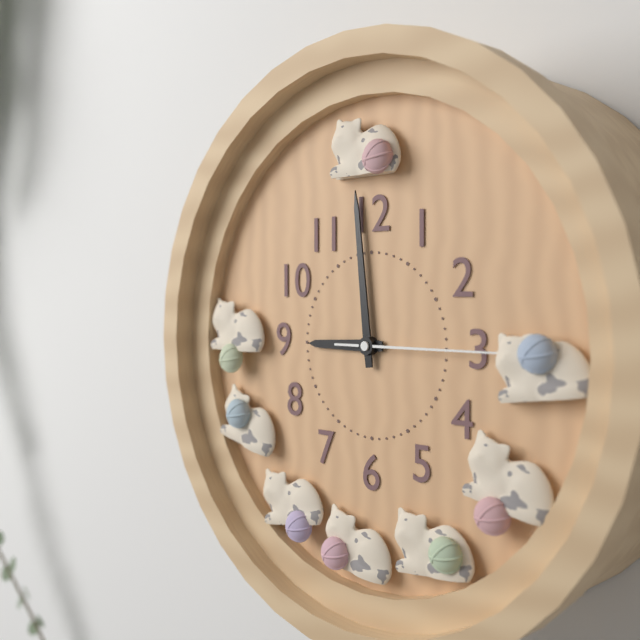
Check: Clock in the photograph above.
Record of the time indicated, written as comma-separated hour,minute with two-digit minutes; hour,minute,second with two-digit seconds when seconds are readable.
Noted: 8,59,15
